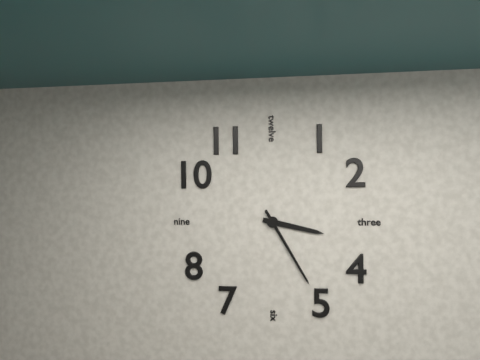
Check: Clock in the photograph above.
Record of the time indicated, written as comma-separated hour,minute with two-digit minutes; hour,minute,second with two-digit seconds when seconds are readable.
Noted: 3,25
